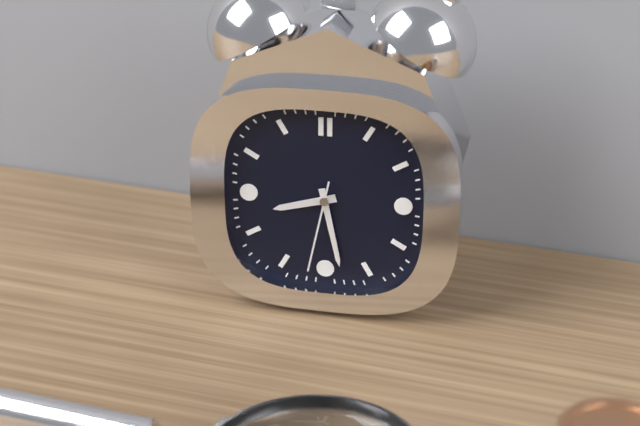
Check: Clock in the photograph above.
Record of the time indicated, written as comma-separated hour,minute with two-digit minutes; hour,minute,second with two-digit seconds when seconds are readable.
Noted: 8,28,32
